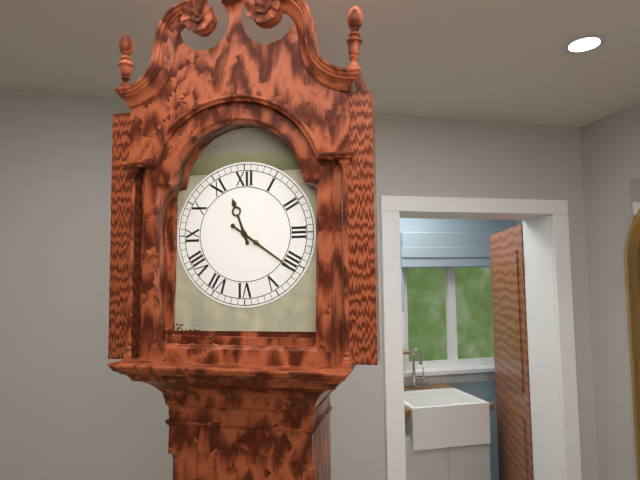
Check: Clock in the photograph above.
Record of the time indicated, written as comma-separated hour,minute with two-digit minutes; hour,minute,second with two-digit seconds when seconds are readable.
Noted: 11,21
